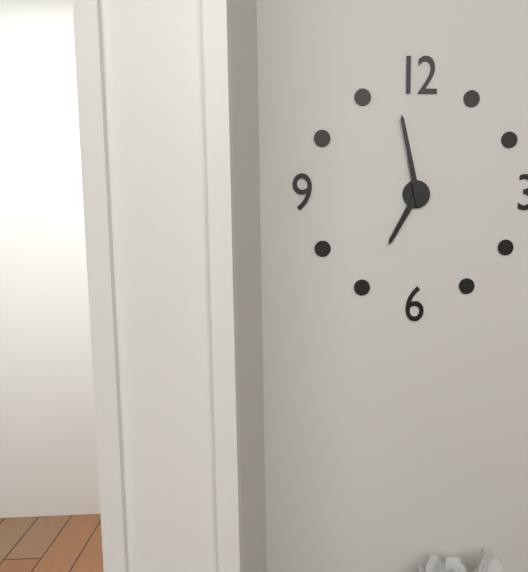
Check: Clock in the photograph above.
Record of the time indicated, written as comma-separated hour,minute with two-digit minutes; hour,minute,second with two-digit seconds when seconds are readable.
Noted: 6,58
